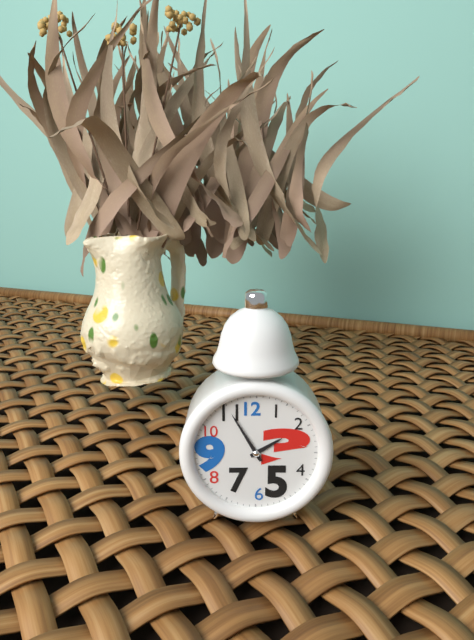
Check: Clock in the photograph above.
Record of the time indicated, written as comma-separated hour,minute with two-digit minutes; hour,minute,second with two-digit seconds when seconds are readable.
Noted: 1,55
